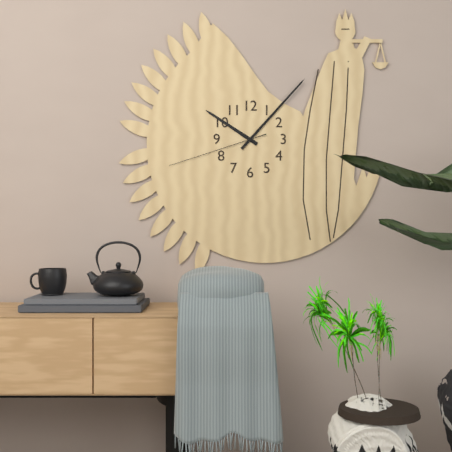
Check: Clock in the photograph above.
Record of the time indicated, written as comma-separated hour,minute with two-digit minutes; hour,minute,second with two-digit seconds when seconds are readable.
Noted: 10,07,42
